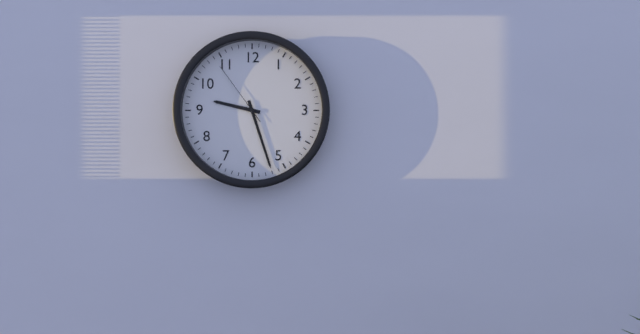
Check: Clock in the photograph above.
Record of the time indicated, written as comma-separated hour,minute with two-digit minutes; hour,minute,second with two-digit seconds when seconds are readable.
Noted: 9,27,54
